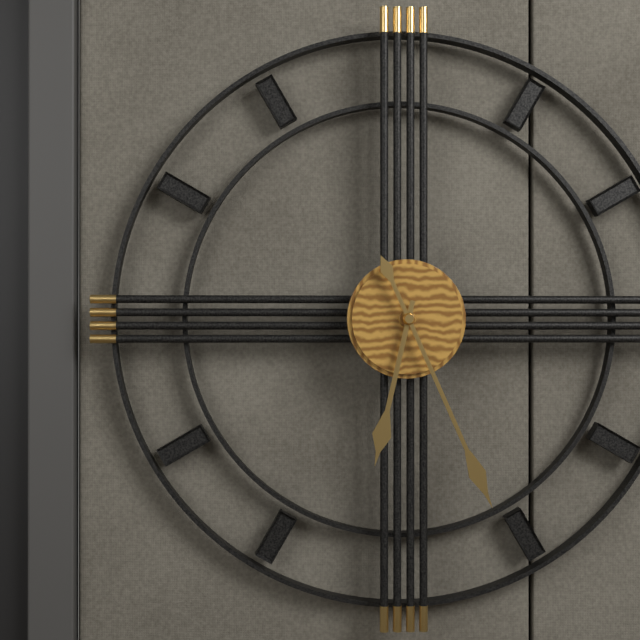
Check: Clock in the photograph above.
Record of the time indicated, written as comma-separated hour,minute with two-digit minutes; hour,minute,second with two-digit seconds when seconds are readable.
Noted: 6,26
